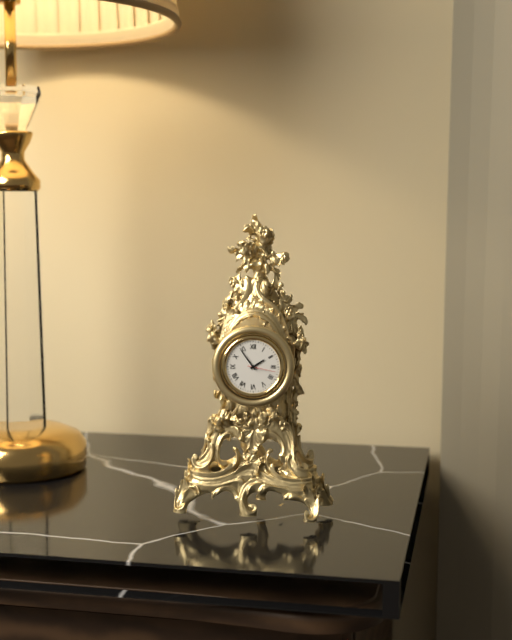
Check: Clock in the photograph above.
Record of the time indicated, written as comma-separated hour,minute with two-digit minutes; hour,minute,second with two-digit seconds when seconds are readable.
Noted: 1,54
